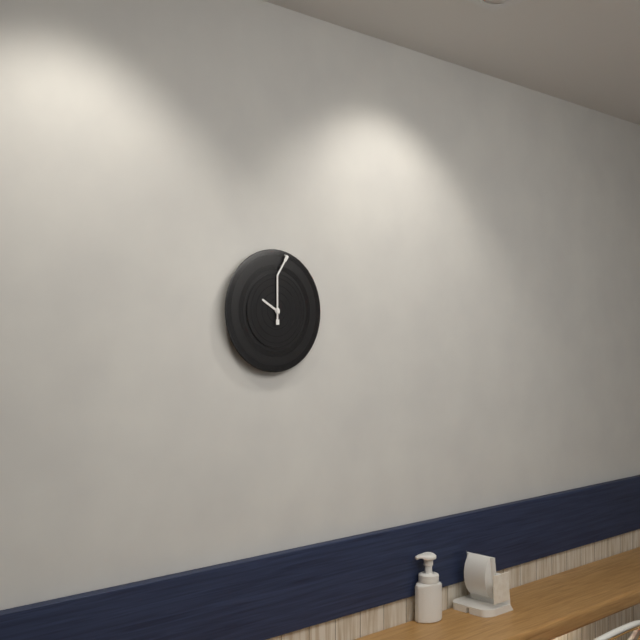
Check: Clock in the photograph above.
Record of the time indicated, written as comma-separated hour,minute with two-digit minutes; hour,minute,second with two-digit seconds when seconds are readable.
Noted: 10,00
